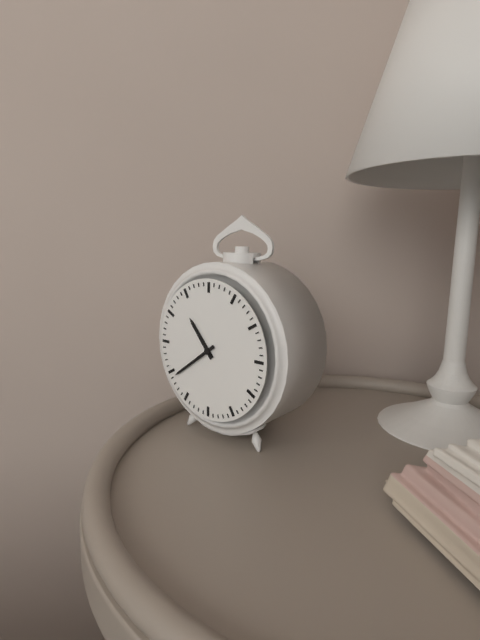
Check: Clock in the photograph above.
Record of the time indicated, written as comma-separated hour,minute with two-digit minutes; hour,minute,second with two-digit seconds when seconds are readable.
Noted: 10,39
